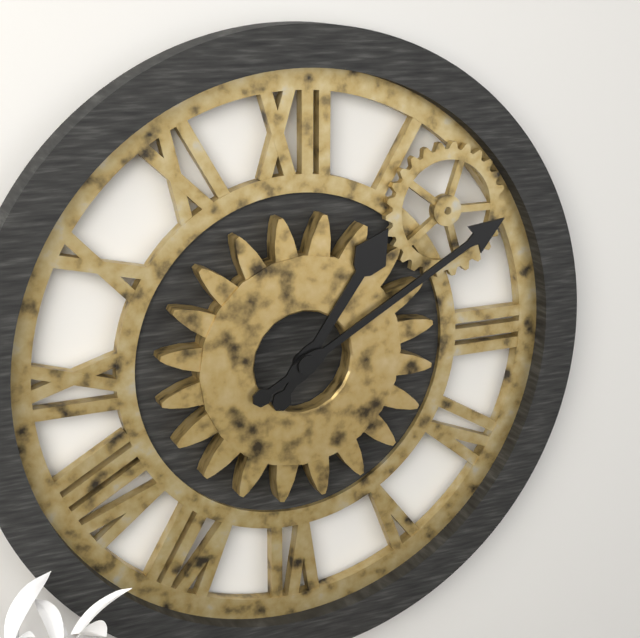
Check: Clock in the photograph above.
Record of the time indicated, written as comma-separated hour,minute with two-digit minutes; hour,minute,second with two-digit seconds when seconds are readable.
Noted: 1,10
